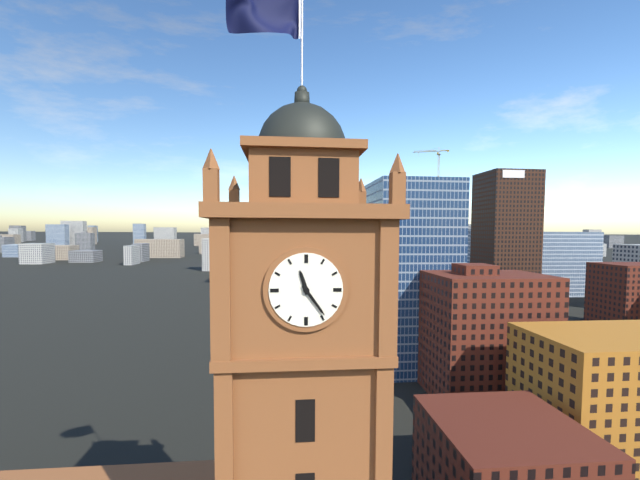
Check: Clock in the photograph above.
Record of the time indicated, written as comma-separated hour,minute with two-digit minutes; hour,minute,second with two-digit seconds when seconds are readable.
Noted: 11,24
